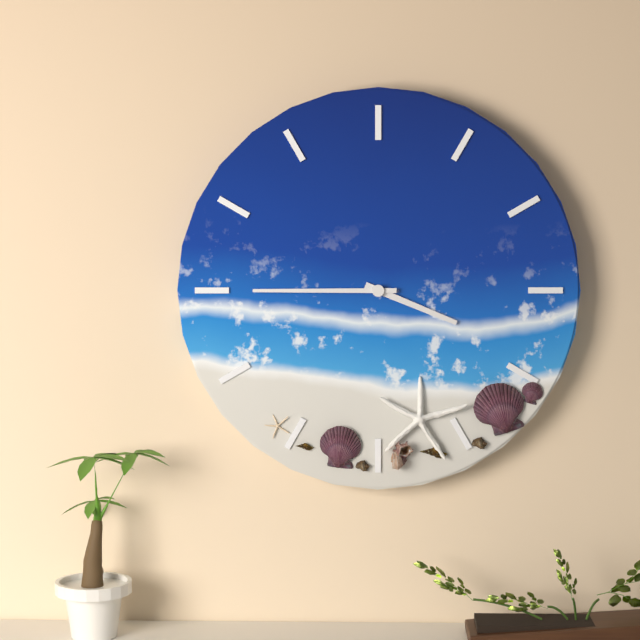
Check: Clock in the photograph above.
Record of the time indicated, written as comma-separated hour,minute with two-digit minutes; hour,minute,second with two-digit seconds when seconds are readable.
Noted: 3,45
